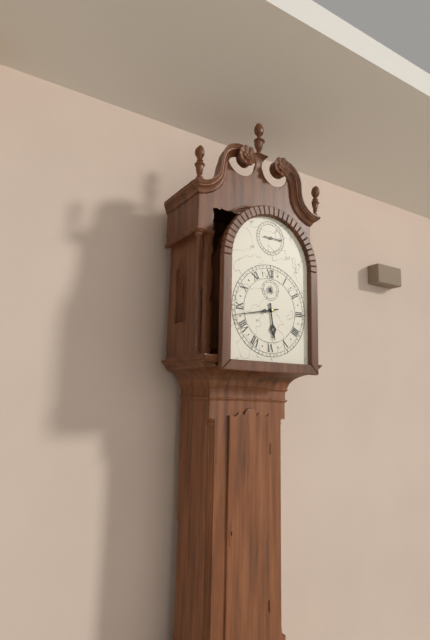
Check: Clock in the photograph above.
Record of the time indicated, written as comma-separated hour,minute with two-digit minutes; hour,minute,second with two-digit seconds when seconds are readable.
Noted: 5,43
